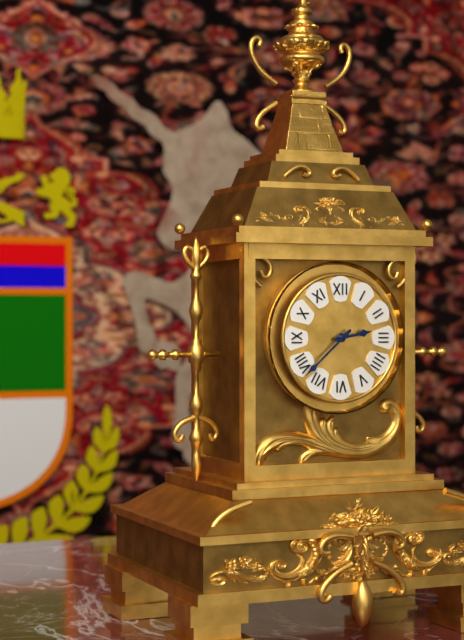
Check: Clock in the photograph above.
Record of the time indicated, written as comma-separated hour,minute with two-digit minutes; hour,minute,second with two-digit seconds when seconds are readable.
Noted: 2,38
